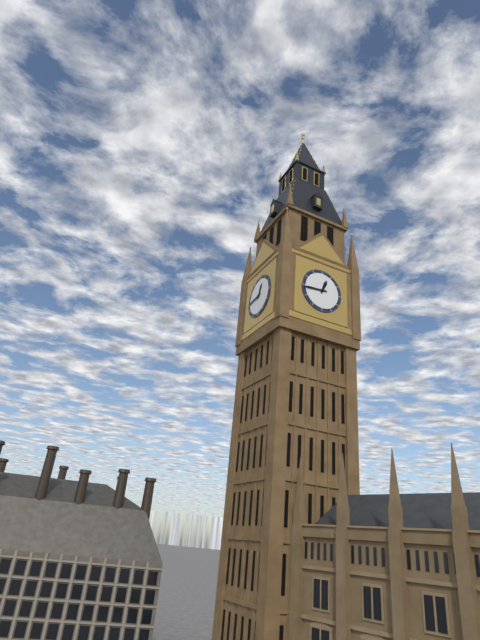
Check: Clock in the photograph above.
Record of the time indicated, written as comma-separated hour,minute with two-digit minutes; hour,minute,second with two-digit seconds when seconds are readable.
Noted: 12,44
